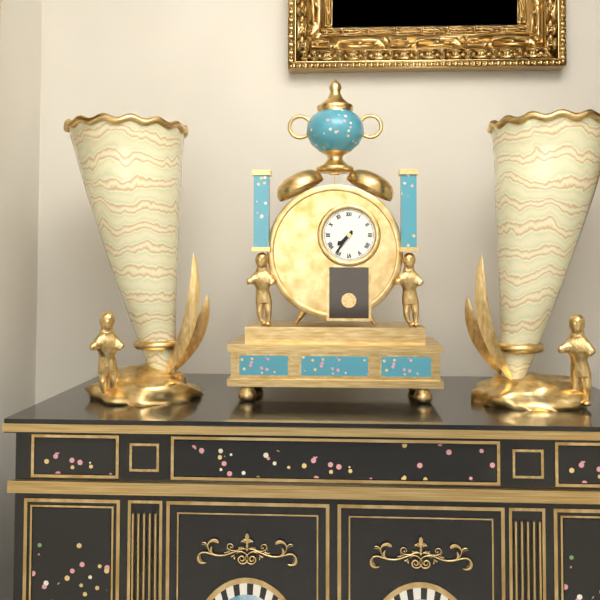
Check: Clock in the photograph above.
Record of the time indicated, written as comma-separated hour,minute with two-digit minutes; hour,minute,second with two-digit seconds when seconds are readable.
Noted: 7,36
